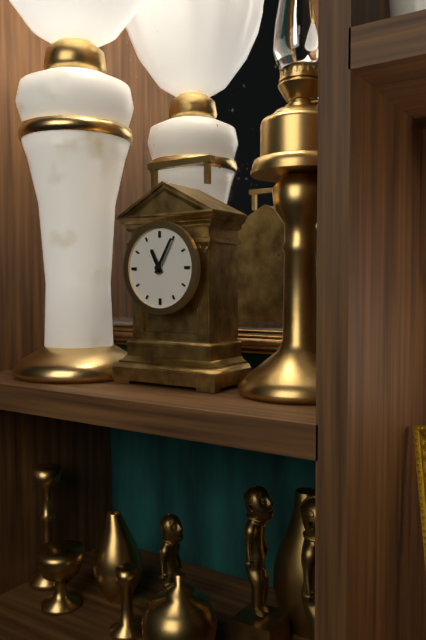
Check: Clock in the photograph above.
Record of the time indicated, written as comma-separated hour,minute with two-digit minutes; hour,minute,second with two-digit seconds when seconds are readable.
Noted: 11,05
